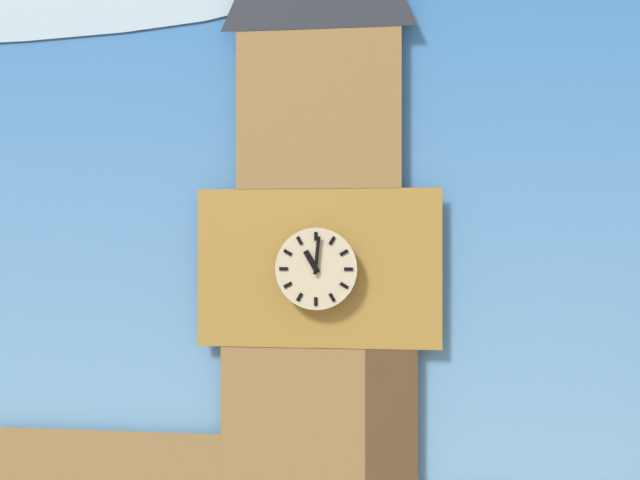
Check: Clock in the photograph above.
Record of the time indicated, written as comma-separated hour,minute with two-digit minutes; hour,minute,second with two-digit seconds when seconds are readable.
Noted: 11,01
